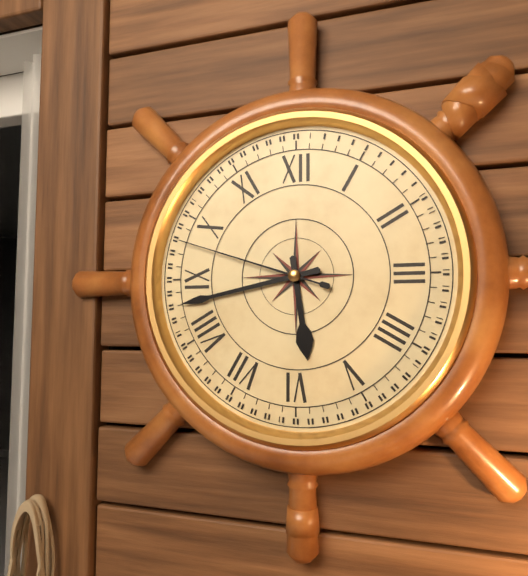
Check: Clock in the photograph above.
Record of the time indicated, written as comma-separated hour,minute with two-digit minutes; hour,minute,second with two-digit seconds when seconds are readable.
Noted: 5,43,48
